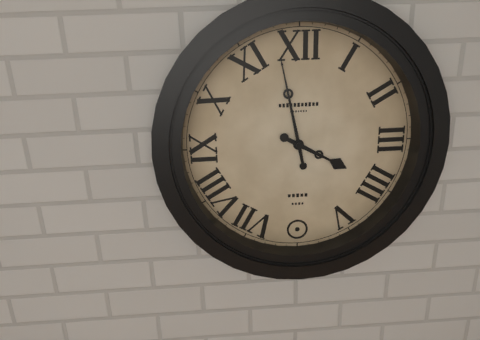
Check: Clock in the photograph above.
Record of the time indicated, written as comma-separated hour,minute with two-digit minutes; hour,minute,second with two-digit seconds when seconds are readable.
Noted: 3,58
